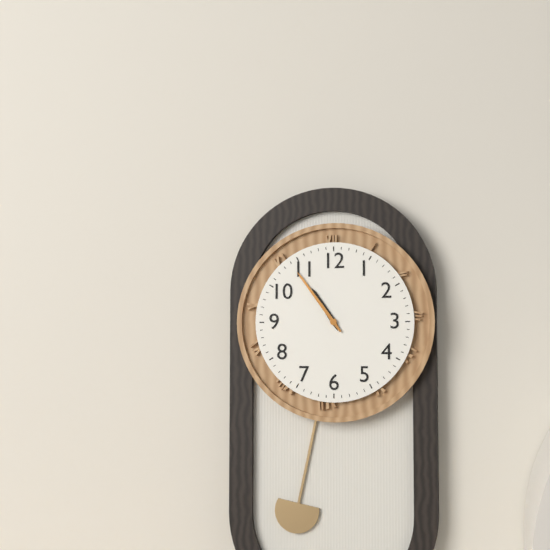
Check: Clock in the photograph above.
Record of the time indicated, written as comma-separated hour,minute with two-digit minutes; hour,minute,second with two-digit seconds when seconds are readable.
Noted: 10,54
